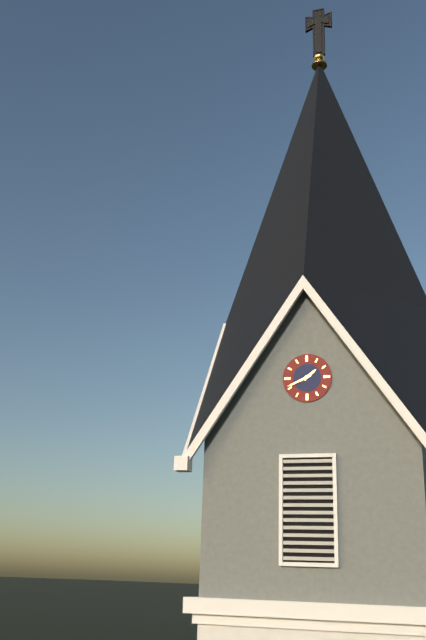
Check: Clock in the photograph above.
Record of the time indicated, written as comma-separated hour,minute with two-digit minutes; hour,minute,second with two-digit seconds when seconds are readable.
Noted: 1,41
